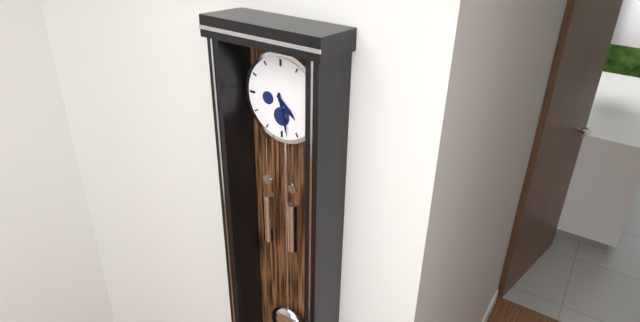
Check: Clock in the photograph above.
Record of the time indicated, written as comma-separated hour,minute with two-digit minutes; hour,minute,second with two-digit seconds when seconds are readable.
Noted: 4,28
